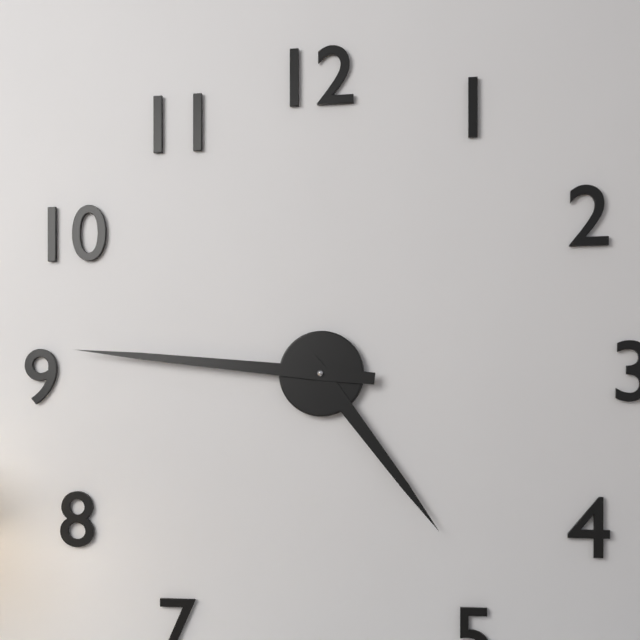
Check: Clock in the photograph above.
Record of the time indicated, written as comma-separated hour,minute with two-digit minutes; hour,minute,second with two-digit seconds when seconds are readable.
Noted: 4,46
